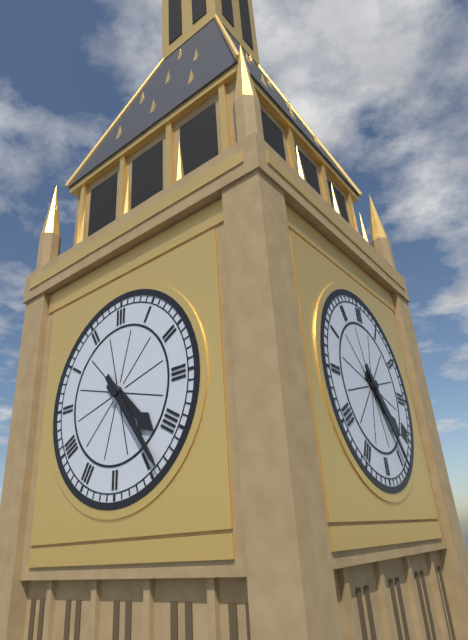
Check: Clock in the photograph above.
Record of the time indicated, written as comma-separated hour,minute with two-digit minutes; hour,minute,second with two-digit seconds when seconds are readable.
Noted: 4,24
